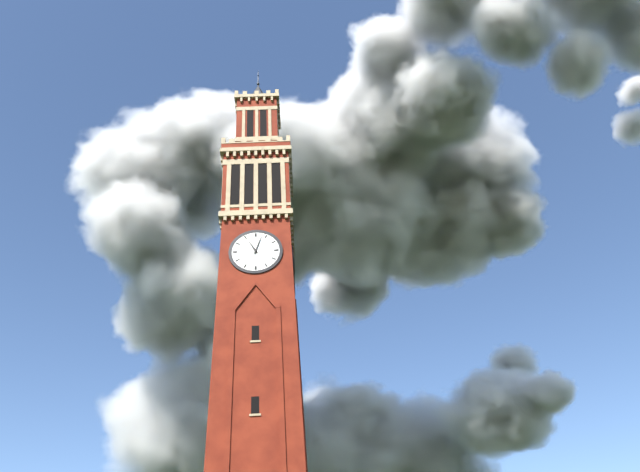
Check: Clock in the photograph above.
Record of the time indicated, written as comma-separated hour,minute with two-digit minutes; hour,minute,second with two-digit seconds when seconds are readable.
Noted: 11,03
